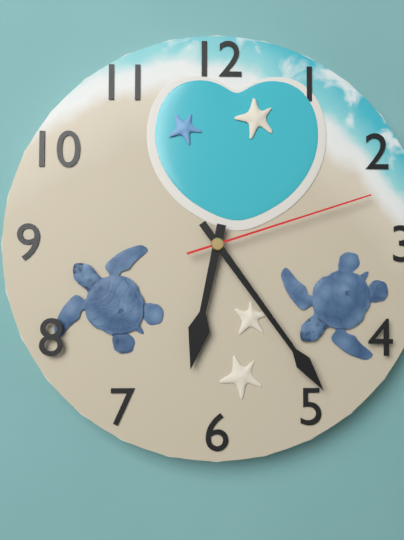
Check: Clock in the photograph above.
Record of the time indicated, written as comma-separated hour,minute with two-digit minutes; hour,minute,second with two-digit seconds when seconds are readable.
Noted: 6,24,12
